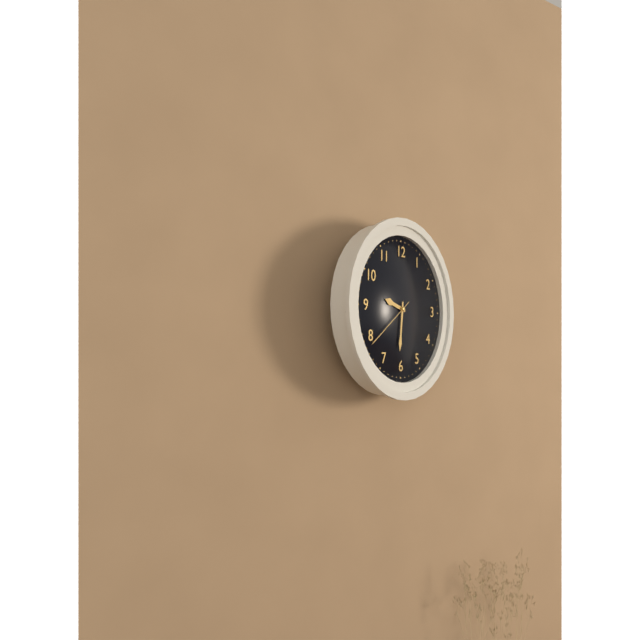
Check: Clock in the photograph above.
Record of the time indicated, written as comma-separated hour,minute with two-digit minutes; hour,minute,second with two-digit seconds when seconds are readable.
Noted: 9,31,39
